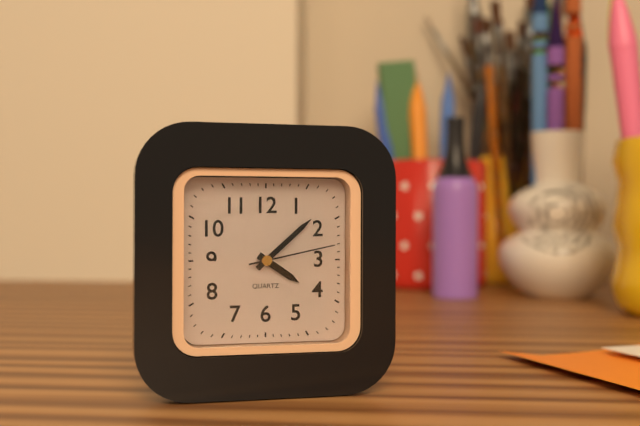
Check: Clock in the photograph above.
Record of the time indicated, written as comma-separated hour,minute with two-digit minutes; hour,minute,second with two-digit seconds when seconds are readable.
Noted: 4,08,13
